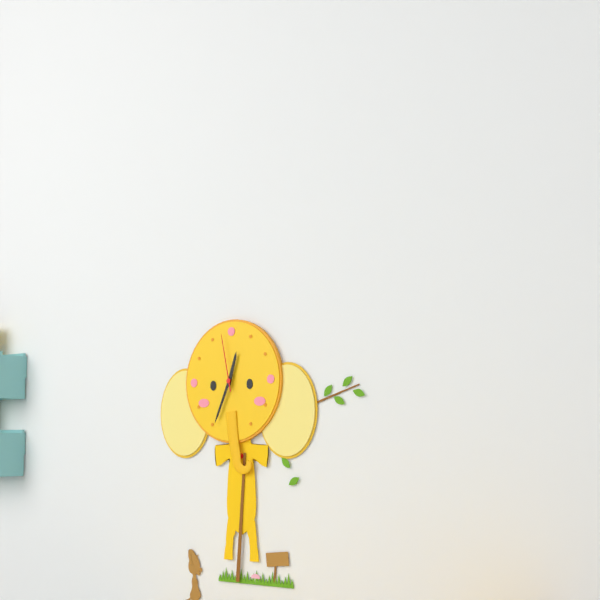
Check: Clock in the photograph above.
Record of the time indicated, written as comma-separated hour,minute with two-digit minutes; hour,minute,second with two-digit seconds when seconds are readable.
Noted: 12,34,58
